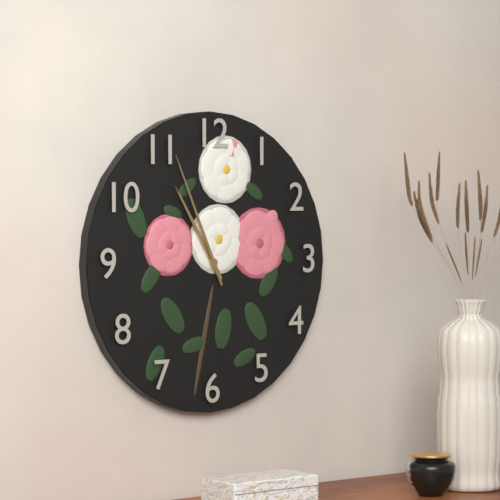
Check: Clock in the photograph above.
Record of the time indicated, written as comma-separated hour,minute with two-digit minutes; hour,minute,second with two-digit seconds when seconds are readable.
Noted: 10,56
